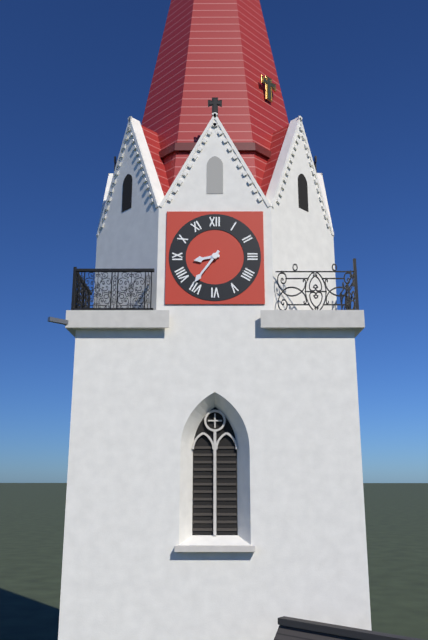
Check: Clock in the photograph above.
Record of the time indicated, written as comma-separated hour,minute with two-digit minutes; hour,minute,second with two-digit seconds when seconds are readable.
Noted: 8,36
